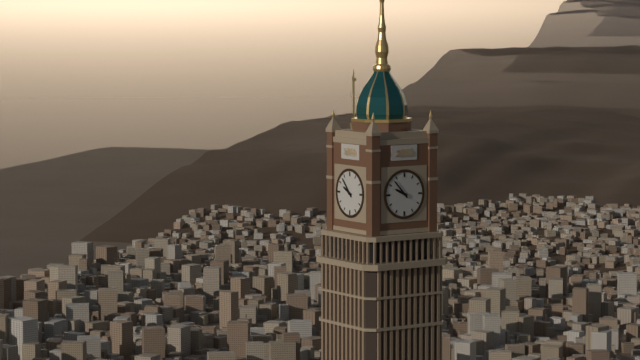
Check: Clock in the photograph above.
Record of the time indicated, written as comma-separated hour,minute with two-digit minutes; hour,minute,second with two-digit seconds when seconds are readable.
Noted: 9,53
